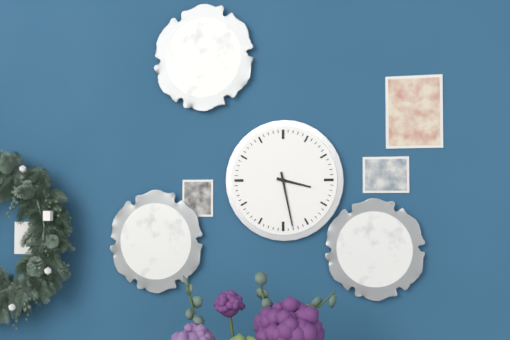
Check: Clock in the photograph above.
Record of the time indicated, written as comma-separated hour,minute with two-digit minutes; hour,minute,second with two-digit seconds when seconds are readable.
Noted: 3,28
